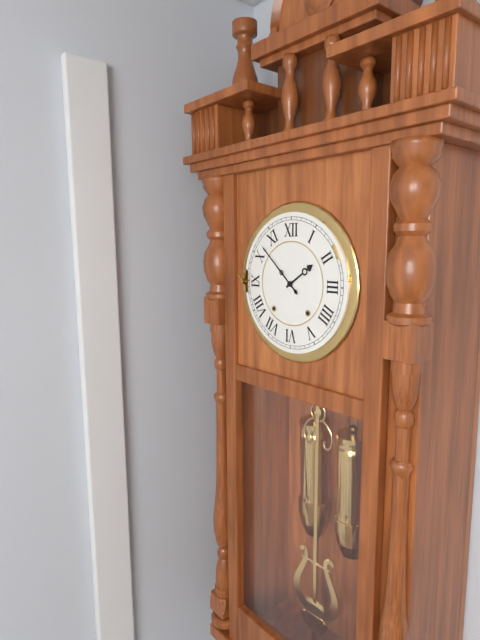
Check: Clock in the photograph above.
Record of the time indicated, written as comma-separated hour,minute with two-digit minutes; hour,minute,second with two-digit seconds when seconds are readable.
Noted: 1,52
